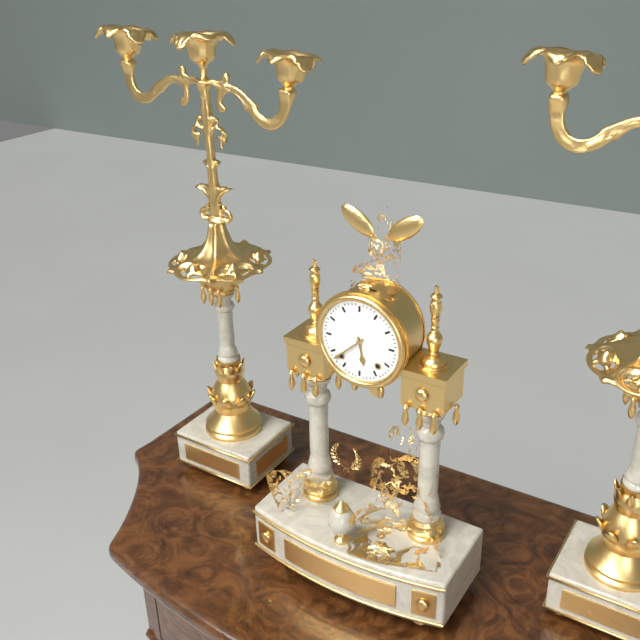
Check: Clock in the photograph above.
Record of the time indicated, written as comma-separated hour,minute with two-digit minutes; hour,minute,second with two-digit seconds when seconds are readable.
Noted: 5,38
